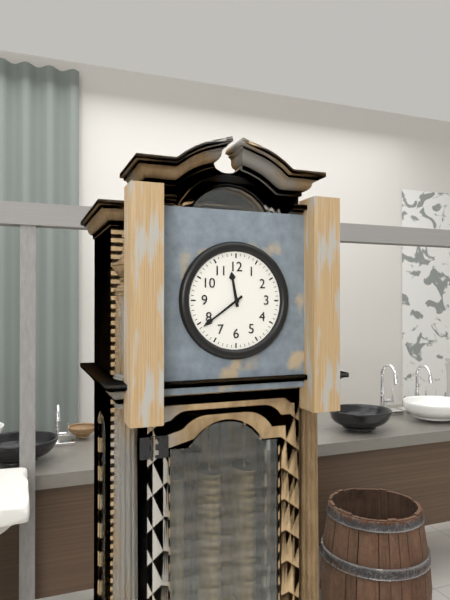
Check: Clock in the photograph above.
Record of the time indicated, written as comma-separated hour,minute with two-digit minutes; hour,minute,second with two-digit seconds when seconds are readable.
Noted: 11,39
